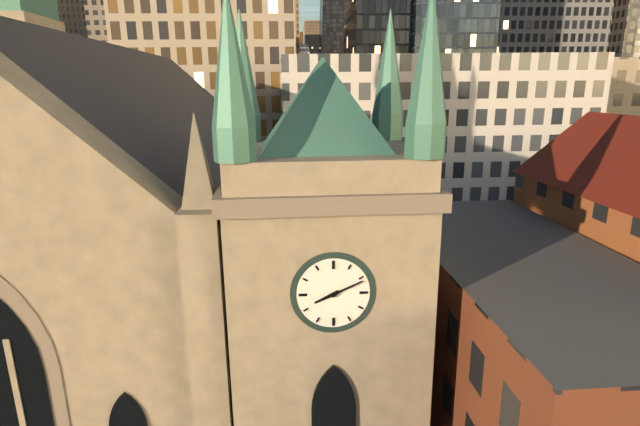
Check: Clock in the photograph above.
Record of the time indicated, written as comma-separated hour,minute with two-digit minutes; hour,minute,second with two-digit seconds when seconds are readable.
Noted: 8,11
